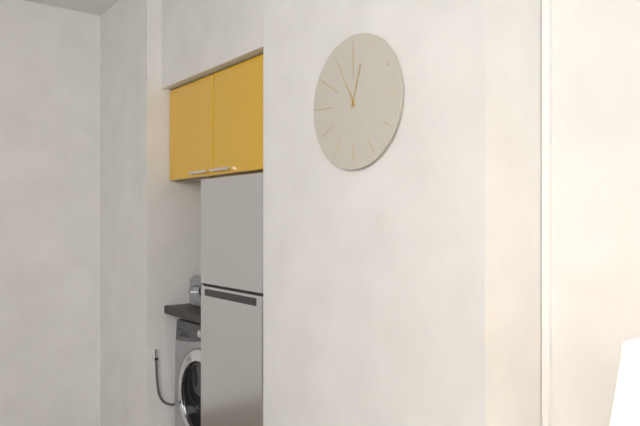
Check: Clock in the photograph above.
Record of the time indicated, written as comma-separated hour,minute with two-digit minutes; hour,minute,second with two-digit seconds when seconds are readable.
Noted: 11,03
